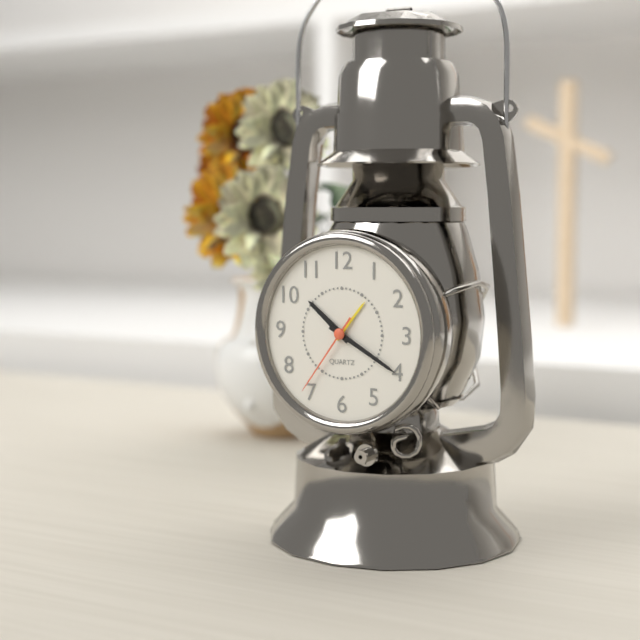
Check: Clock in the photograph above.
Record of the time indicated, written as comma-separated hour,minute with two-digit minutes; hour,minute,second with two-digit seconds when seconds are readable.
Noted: 10,20,36
